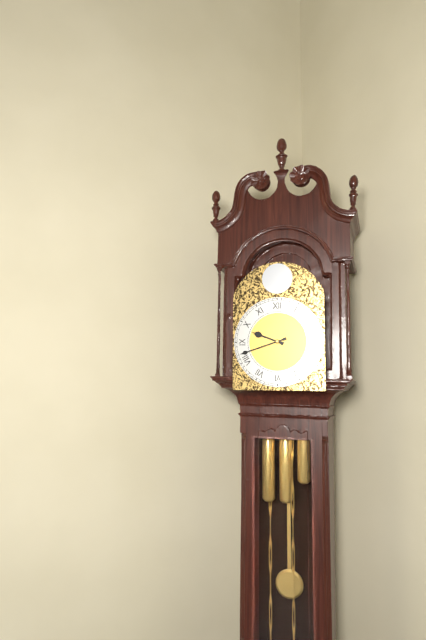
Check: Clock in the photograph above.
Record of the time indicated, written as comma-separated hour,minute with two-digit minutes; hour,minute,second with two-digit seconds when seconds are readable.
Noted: 9,42
